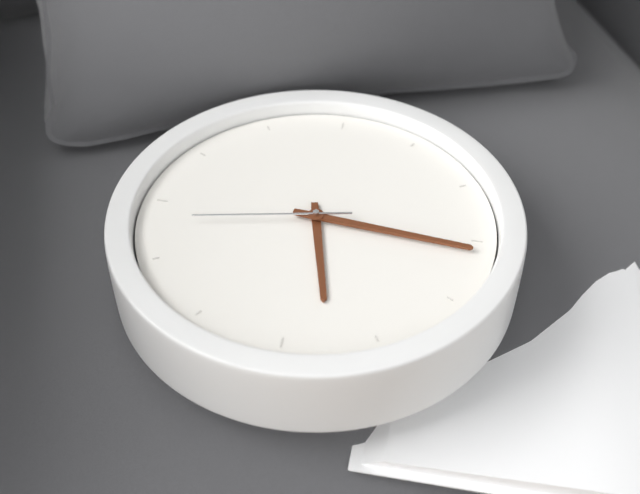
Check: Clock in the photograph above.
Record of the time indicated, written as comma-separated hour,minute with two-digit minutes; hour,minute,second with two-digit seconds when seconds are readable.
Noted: 8,31,58
